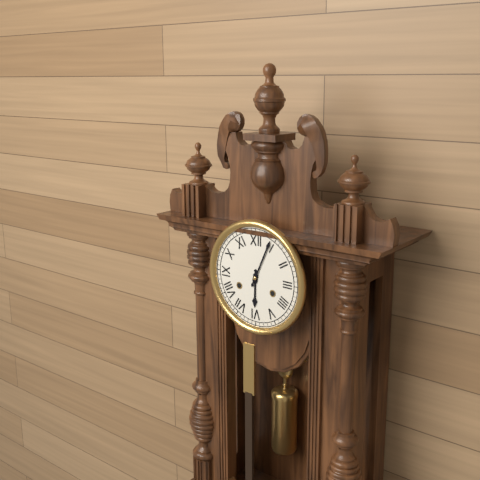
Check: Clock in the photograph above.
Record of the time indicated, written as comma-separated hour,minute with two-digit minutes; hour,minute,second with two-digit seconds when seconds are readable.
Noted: 6,04
